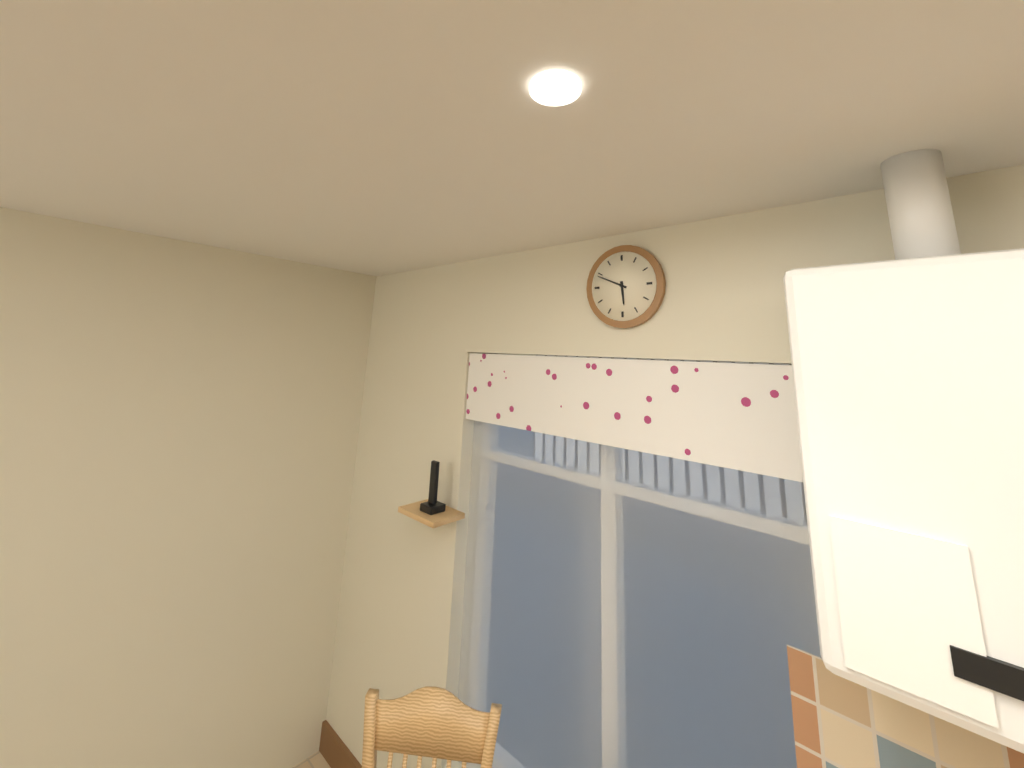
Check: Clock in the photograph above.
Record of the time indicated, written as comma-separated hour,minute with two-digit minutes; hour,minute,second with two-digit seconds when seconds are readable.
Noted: 5,49
